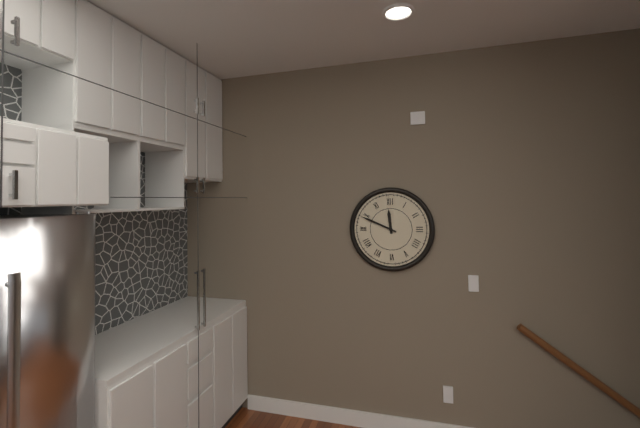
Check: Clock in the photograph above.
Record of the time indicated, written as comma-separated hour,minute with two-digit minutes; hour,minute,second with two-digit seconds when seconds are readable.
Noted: 11,49
